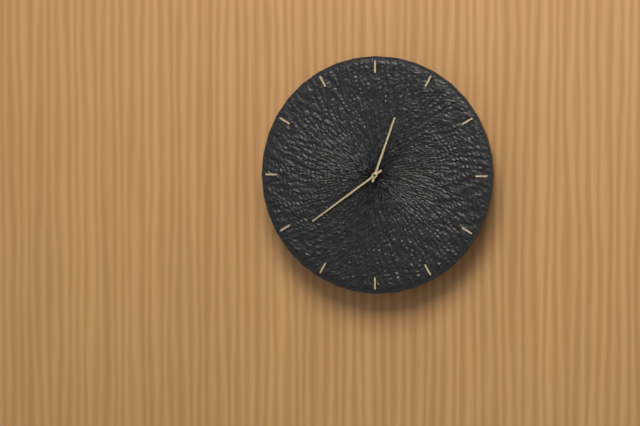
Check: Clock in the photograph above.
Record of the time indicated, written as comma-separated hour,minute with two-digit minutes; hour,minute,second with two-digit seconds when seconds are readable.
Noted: 12,39
